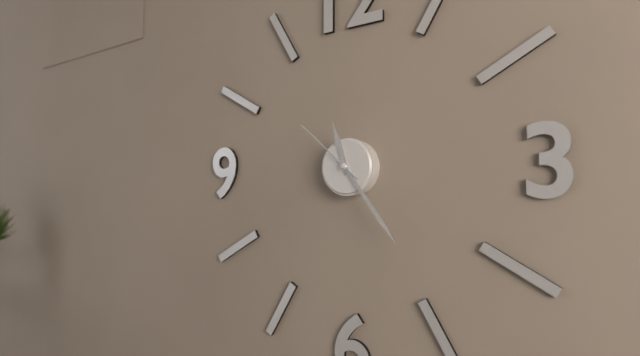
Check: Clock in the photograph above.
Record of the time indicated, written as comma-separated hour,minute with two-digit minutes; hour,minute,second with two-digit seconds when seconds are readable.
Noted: 11,24,52
